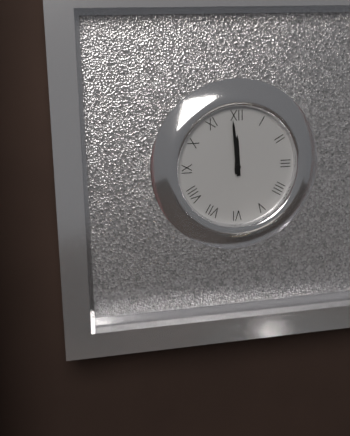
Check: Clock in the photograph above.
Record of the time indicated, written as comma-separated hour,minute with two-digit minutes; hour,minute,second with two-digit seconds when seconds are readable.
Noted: 11,59
